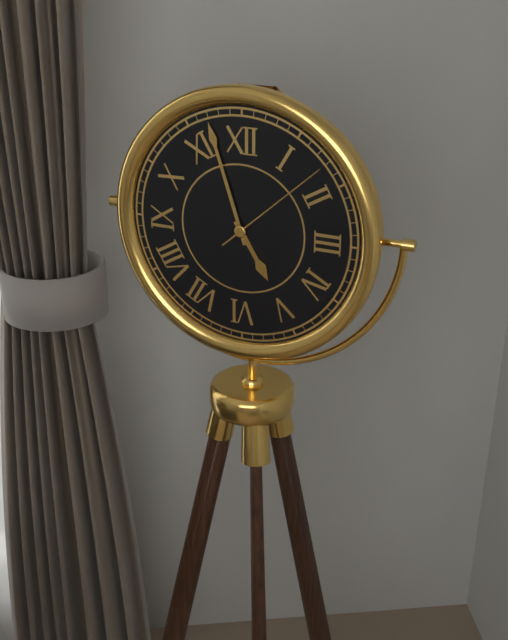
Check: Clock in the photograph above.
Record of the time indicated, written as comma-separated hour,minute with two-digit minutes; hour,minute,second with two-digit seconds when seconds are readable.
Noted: 4,57,08
